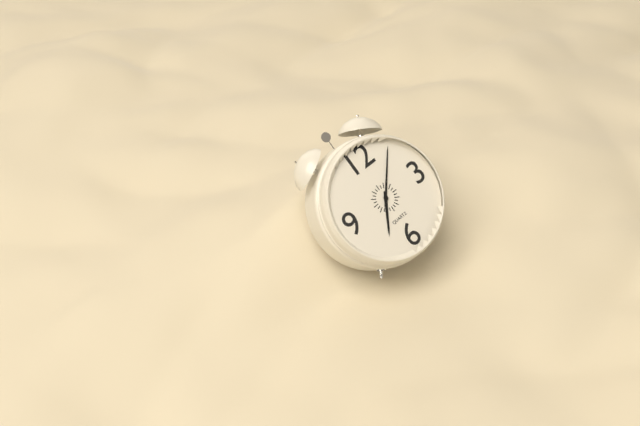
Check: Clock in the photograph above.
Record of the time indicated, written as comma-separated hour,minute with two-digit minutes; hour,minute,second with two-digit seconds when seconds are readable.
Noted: 7,07
